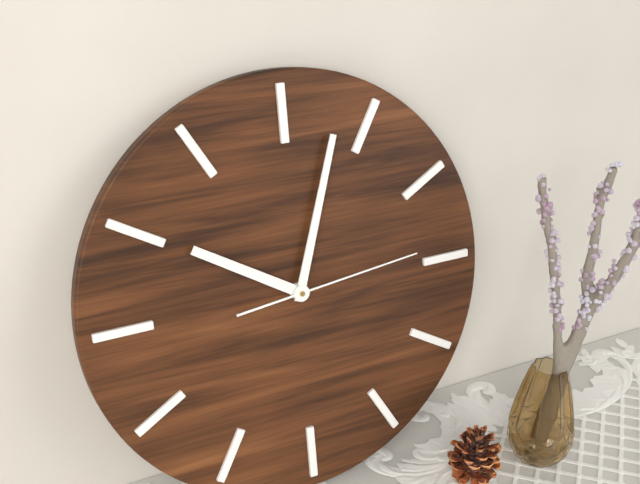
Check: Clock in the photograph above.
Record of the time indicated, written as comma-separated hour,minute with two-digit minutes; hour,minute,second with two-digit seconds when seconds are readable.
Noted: 10,03,14
